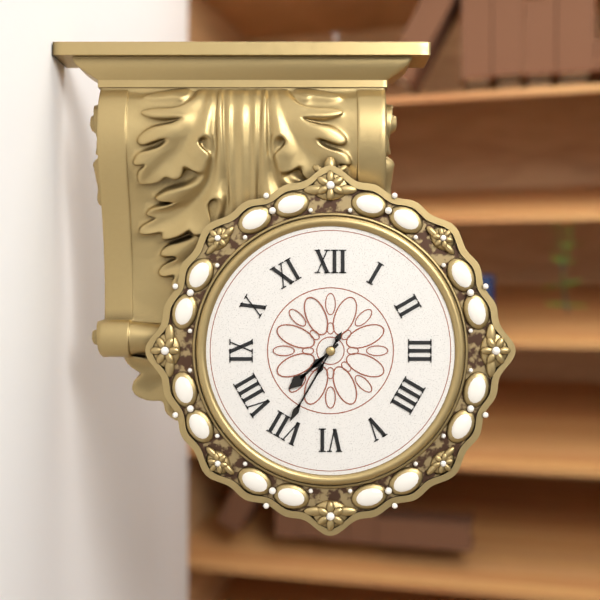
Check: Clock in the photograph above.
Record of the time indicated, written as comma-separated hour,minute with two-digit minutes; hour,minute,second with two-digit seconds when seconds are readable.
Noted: 7,35
